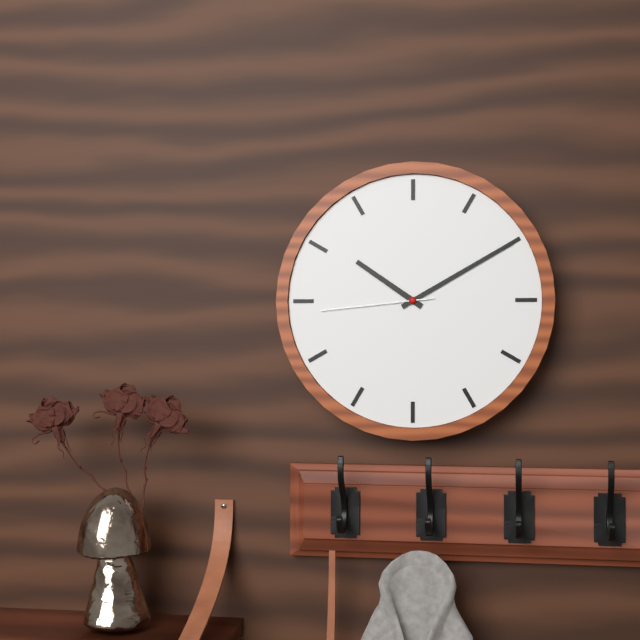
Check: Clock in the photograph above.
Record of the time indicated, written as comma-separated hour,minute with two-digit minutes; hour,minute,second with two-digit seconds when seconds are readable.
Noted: 10,10,44
